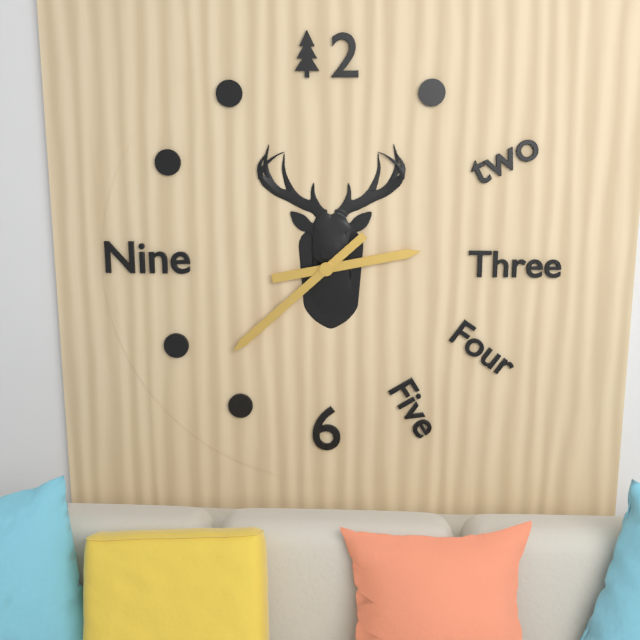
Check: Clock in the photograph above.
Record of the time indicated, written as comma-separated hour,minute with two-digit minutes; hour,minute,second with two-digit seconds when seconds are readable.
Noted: 2,38
